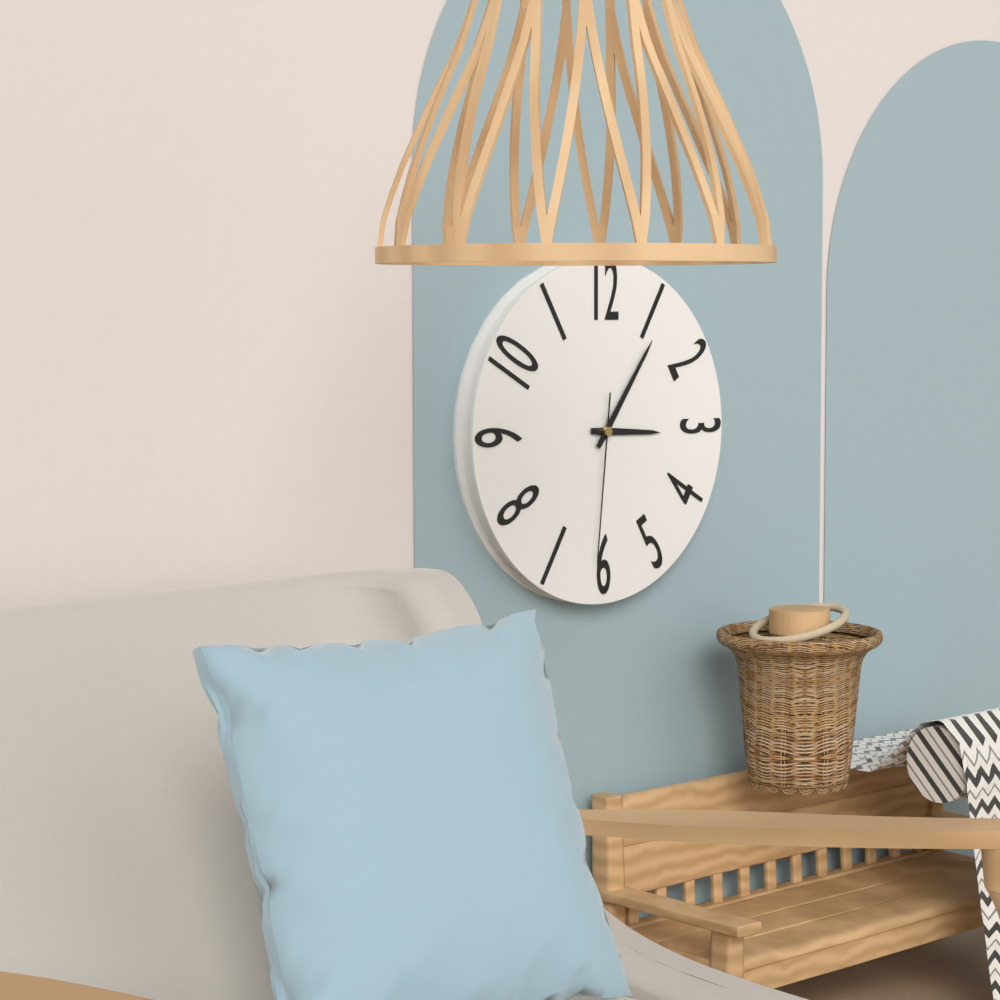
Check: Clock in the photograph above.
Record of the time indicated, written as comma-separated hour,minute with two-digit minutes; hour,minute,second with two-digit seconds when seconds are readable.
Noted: 3,06,31
